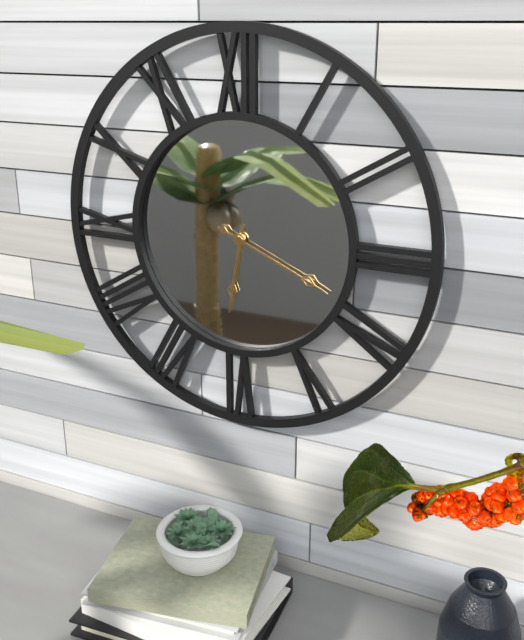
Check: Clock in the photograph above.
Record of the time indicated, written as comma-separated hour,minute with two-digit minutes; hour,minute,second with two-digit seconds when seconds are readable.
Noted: 6,19
